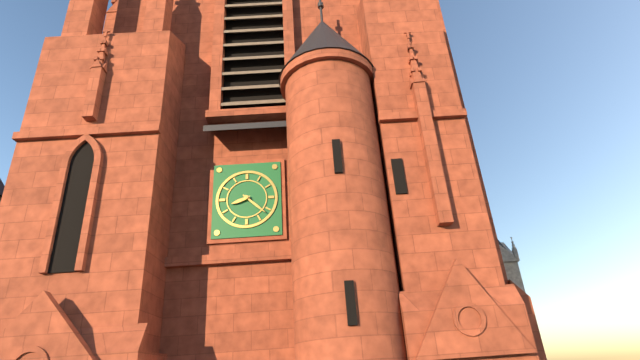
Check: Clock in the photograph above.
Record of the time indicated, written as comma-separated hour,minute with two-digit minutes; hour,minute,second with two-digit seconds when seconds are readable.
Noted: 8,22
